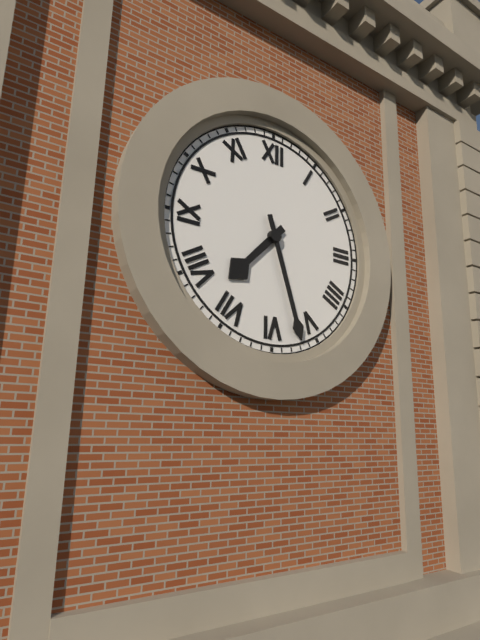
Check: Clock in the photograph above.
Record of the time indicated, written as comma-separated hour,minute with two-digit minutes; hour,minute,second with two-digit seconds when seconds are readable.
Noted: 7,27
